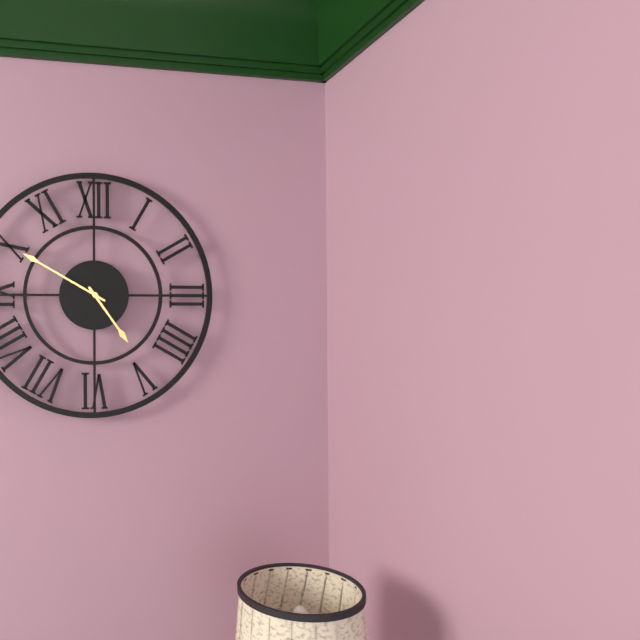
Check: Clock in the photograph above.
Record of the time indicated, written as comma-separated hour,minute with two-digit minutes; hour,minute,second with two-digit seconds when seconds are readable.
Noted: 4,50
